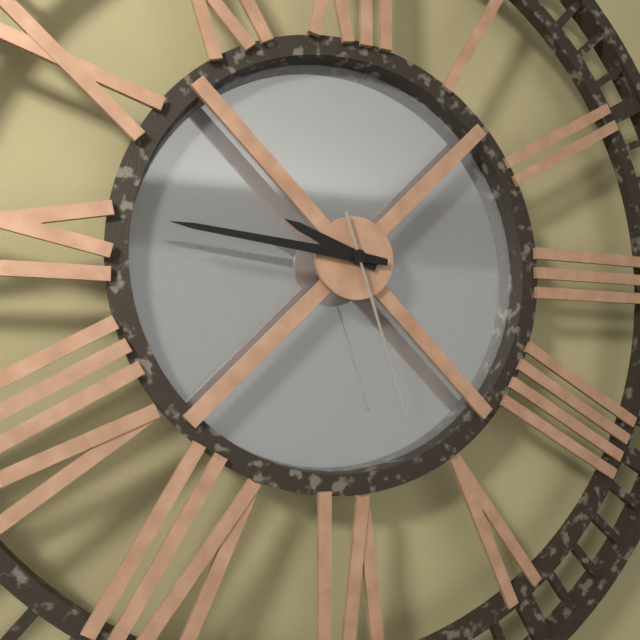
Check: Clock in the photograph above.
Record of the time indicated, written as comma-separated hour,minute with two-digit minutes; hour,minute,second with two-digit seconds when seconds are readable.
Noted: 9,46,27
